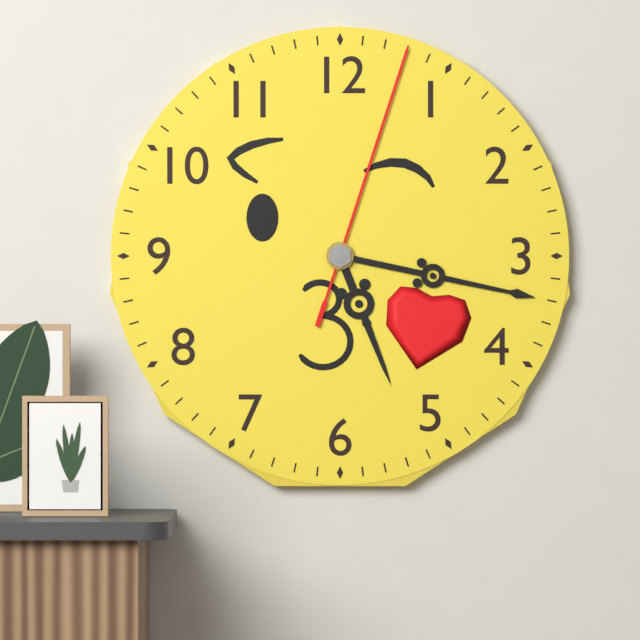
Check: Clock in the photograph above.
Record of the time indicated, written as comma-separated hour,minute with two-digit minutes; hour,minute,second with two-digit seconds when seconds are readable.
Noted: 5,17,03
